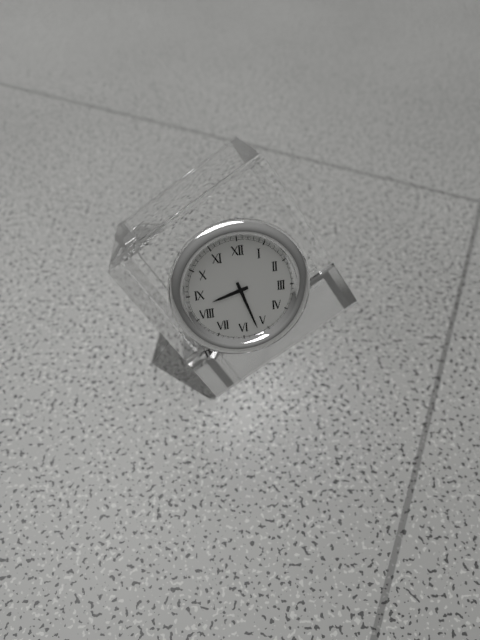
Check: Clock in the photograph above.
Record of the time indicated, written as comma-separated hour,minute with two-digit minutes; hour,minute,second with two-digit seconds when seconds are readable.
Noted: 8,27
